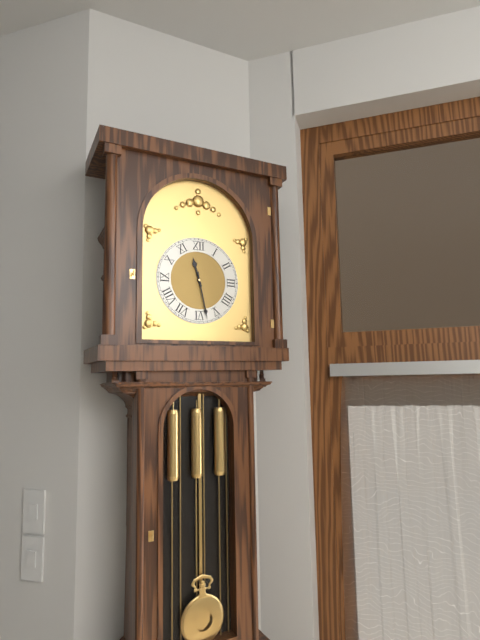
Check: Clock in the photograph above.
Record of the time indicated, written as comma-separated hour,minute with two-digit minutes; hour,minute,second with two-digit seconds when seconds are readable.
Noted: 11,28
